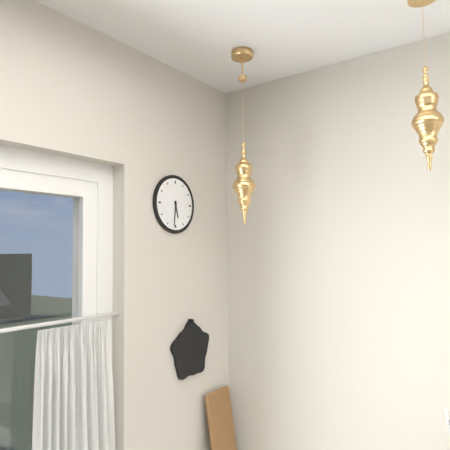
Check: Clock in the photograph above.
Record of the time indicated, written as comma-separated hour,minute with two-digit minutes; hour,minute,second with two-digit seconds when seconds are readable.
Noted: 5,31
